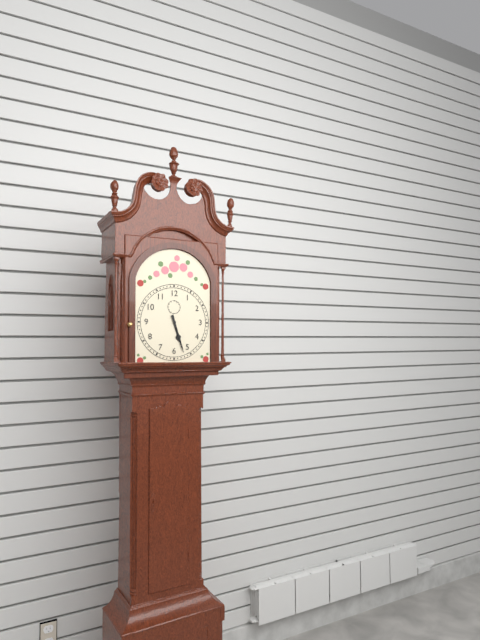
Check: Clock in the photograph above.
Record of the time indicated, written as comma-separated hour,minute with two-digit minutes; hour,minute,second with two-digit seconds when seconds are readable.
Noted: 5,27
